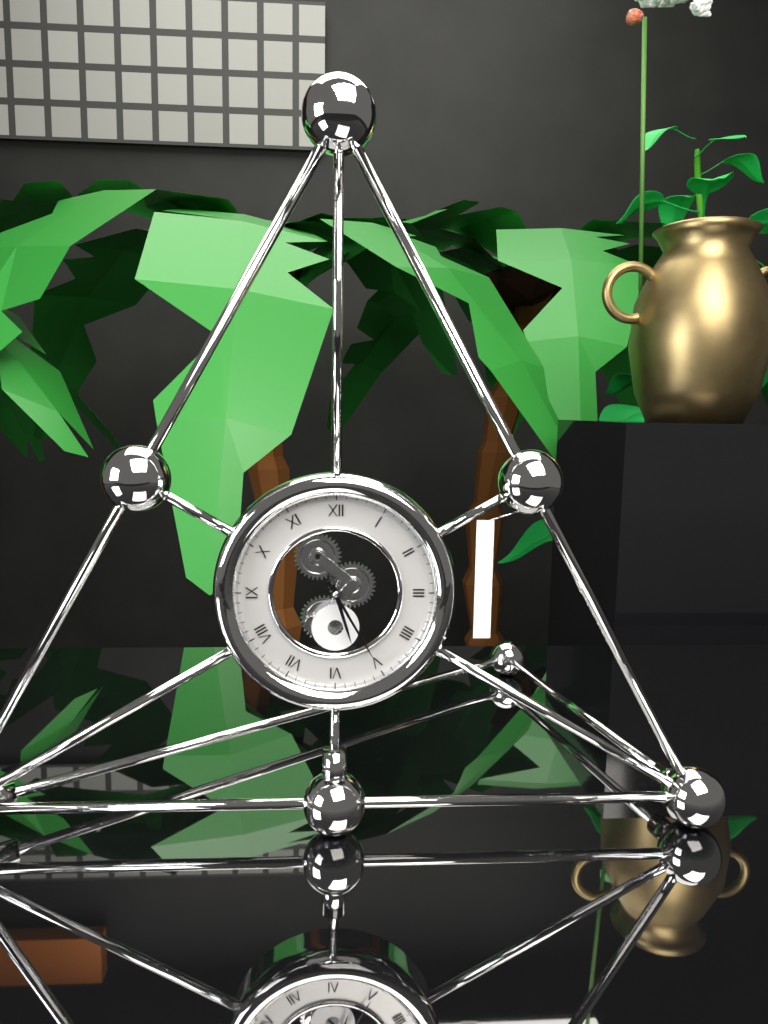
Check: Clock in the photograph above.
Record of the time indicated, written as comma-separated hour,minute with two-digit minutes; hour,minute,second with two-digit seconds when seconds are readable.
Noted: 5,25
